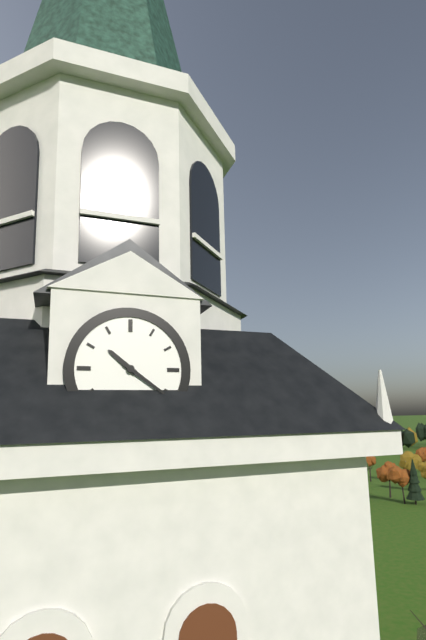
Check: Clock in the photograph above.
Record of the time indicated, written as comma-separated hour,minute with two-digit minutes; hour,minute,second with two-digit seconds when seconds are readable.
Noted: 10,21
